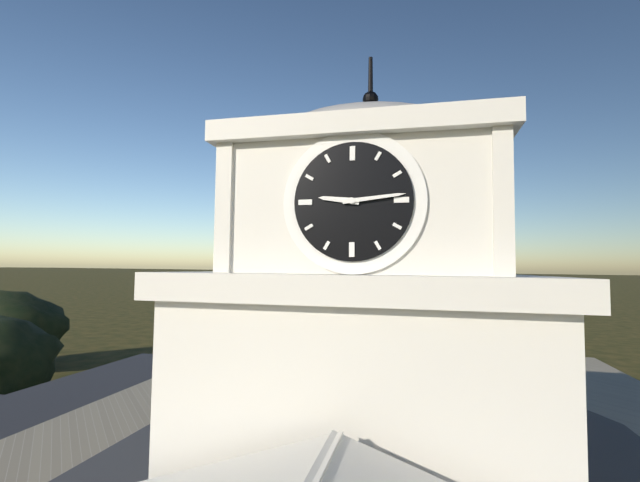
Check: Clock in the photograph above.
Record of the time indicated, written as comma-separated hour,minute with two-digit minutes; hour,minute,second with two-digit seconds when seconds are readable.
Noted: 9,14
